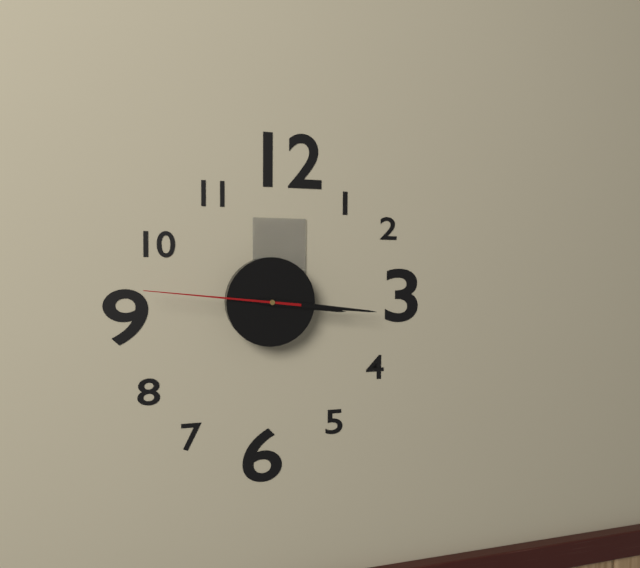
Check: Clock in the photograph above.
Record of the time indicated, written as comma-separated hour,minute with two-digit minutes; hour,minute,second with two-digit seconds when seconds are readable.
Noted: 3,16,46
